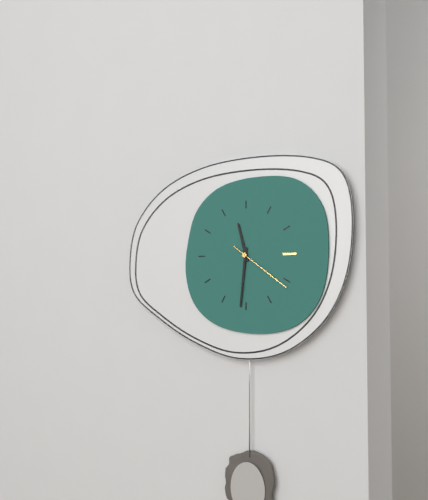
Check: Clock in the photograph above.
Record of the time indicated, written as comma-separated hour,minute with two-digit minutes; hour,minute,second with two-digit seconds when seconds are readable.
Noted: 11,31,21
